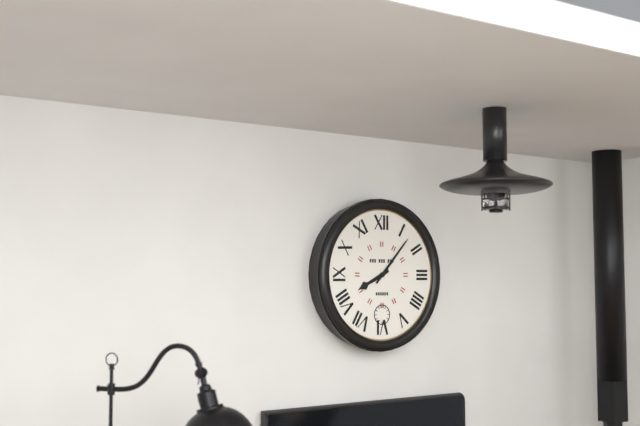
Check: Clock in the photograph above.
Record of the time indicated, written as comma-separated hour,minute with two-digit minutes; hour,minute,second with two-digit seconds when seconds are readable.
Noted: 8,07
